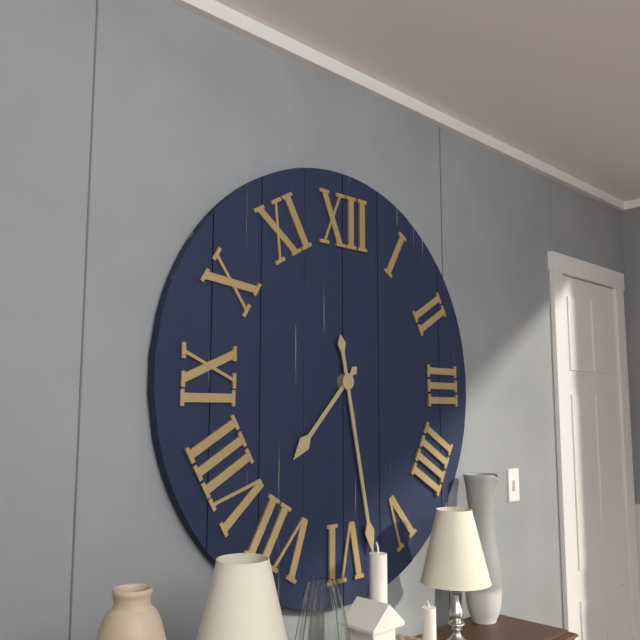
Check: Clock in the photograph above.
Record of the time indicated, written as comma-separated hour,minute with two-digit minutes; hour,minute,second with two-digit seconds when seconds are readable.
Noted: 7,28
